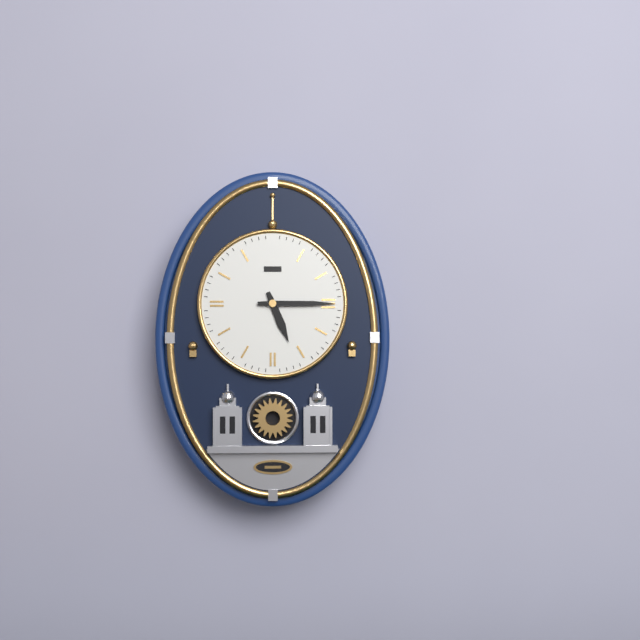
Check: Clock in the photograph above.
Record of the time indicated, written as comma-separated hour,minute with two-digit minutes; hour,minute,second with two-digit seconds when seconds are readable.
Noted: 5,15
